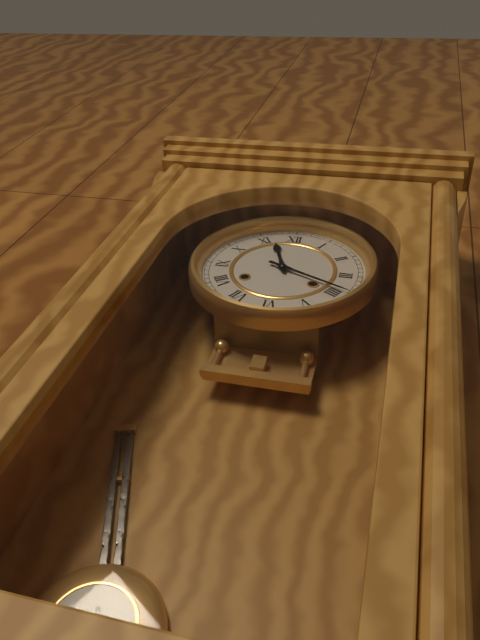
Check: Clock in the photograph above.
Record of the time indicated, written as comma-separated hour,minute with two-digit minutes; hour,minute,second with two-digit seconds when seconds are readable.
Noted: 11,19
